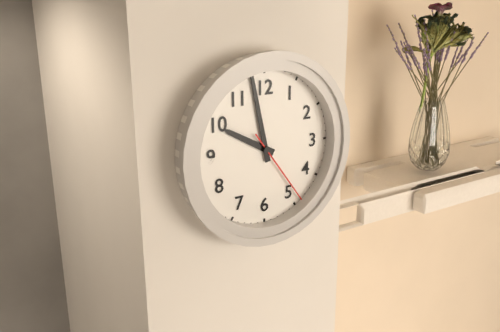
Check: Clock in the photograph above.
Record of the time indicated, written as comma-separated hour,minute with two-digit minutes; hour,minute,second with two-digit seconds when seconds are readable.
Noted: 9,58,24
